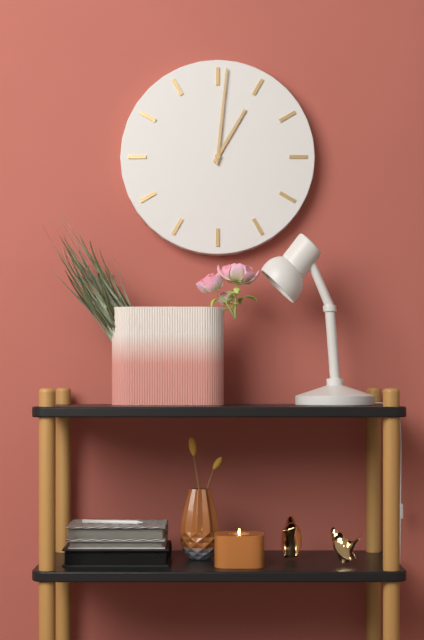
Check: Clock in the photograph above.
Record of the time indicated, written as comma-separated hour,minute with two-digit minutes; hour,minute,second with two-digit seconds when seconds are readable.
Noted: 1,01
